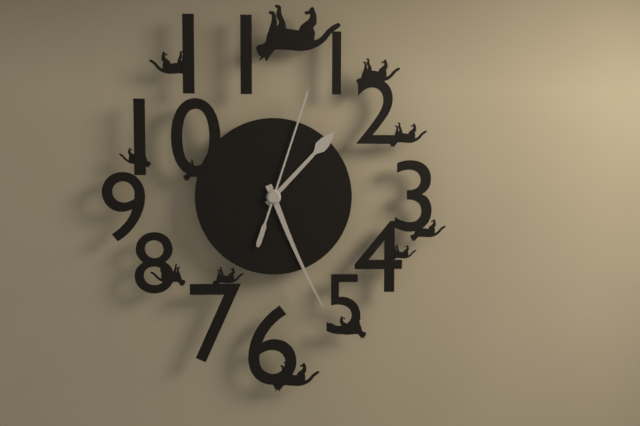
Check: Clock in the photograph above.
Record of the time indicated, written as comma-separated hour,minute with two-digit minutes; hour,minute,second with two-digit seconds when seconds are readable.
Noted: 1,26,03
